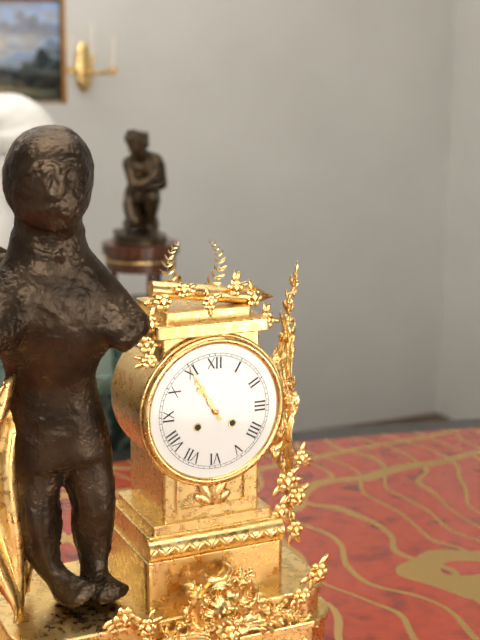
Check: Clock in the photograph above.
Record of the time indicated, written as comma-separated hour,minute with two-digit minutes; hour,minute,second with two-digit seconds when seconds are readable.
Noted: 10,55
